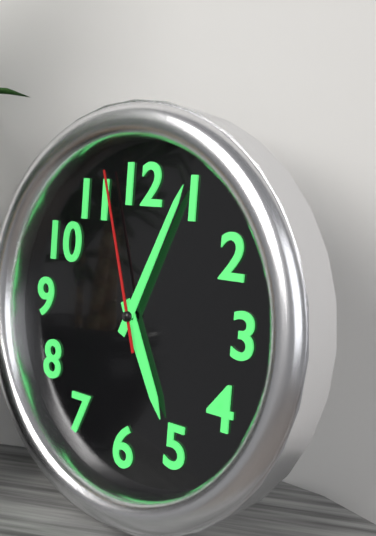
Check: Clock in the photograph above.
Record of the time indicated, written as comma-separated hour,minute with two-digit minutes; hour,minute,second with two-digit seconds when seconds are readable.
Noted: 5,04,57
